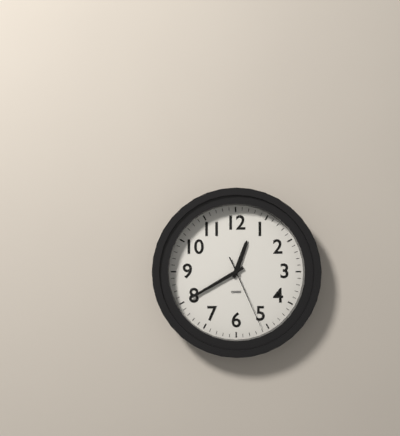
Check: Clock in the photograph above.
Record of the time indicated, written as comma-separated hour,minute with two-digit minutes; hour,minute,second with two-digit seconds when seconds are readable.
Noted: 12,40,26
